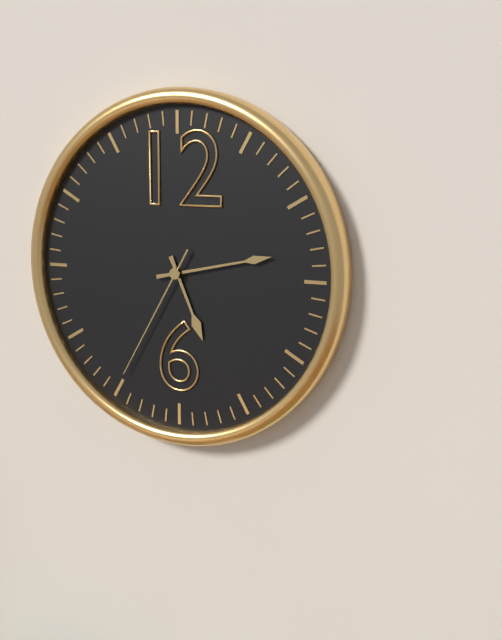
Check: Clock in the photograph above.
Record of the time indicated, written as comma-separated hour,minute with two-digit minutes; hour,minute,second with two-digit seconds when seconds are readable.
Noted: 5,13,35
